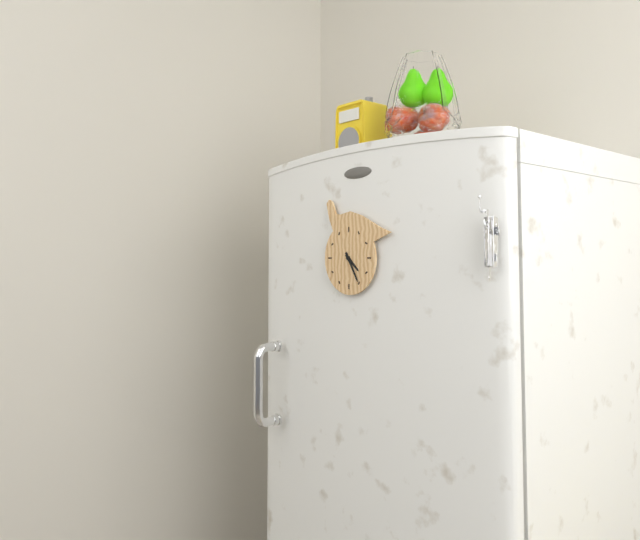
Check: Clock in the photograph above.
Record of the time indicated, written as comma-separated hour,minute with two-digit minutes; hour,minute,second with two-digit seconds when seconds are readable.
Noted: 4,25
